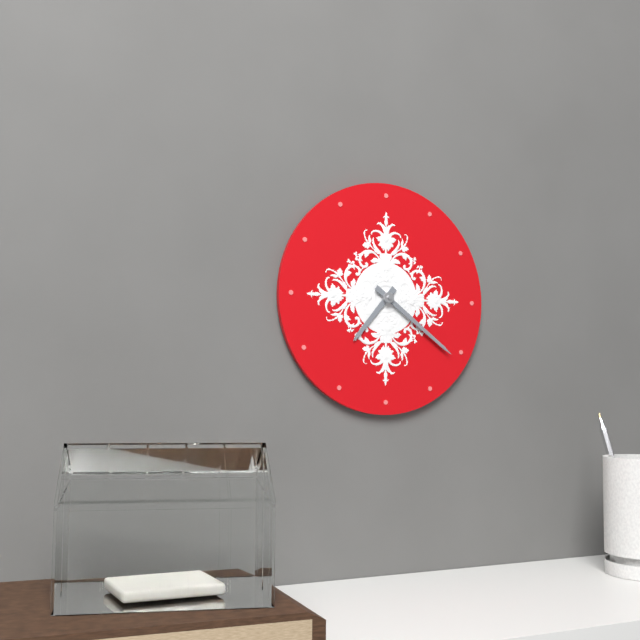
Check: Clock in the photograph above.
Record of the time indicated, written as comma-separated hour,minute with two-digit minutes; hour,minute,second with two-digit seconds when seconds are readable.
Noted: 7,21
